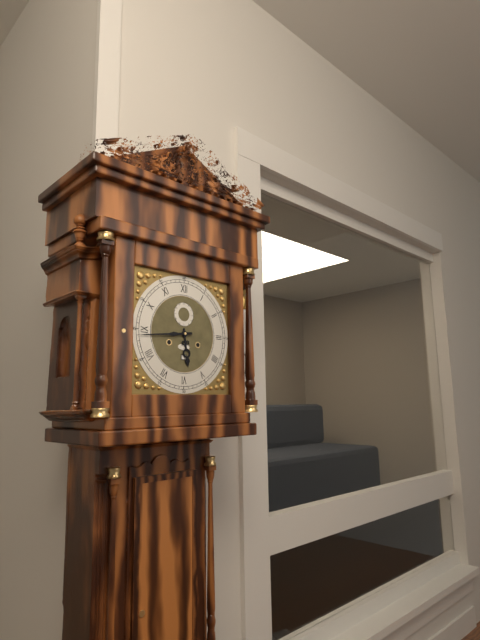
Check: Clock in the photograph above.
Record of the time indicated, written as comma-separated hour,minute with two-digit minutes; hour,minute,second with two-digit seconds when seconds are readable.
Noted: 5,44
